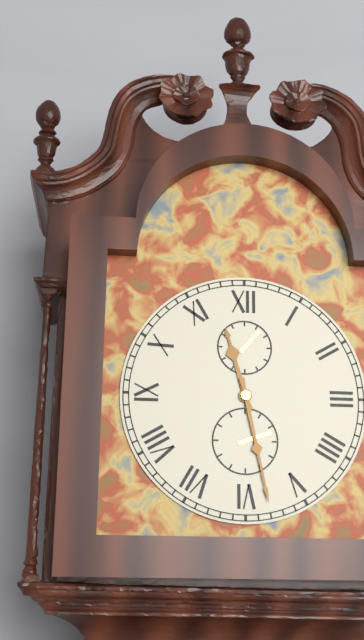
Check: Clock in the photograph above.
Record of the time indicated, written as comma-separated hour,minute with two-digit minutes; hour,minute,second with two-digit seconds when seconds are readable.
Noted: 11,28
